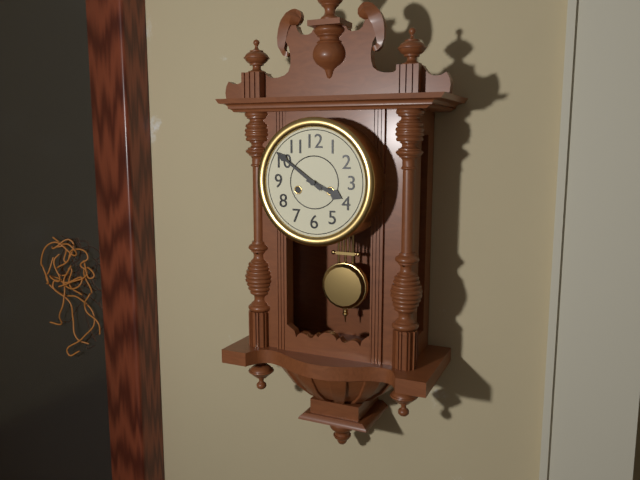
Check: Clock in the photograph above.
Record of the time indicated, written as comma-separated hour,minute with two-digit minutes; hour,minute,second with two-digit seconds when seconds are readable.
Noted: 3,51
